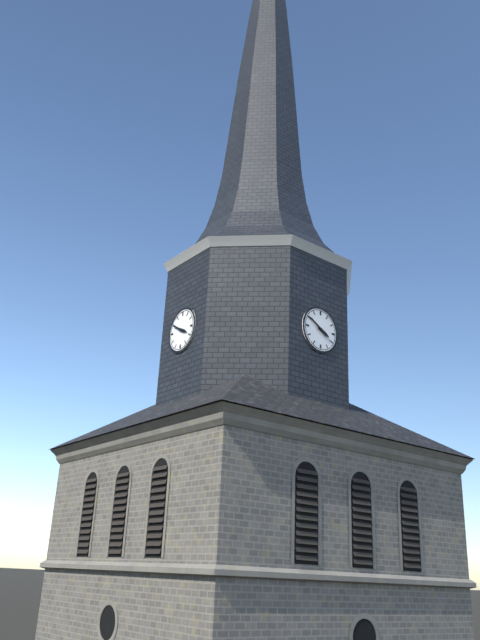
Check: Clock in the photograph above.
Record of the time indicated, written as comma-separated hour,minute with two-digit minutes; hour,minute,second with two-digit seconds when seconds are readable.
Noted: 3,50
